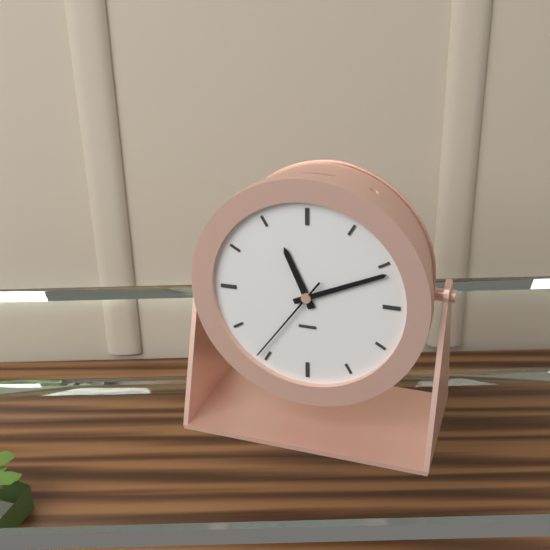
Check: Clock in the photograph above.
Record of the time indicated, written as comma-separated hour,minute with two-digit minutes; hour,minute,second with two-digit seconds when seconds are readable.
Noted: 11,11,36
